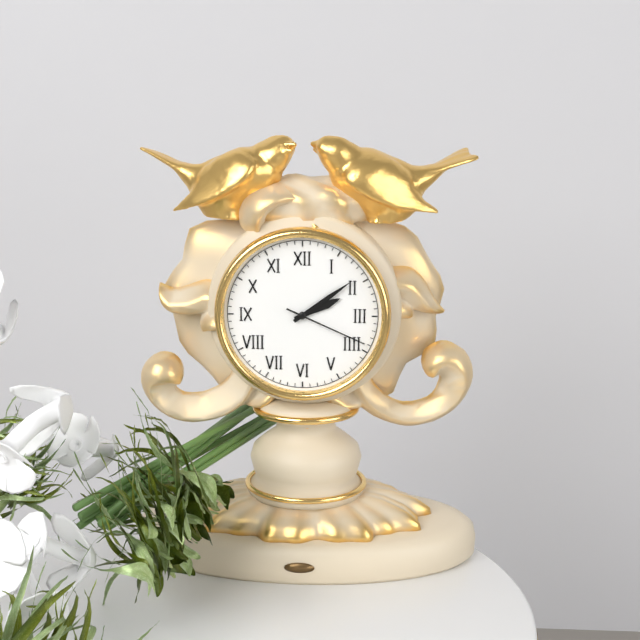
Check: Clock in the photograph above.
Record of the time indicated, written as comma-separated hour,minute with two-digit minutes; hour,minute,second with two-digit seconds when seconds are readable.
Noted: 2,09,19
